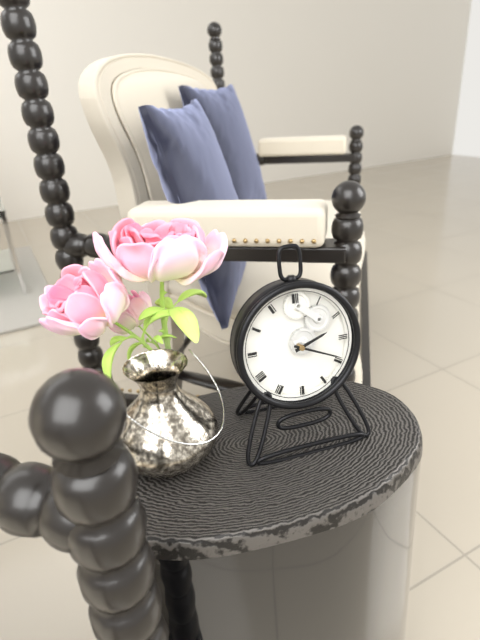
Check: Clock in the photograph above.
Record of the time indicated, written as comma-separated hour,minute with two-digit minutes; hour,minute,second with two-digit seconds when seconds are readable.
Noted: 2,19
